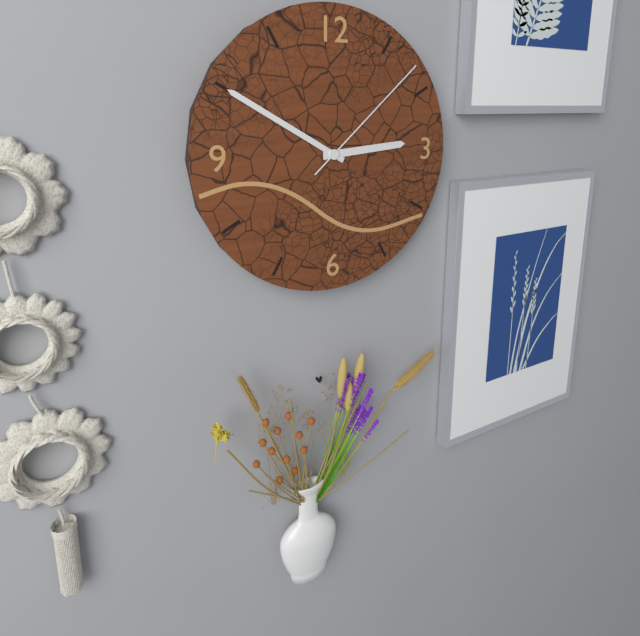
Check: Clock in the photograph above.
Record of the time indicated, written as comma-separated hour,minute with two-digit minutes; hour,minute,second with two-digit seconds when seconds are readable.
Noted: 2,50,08
